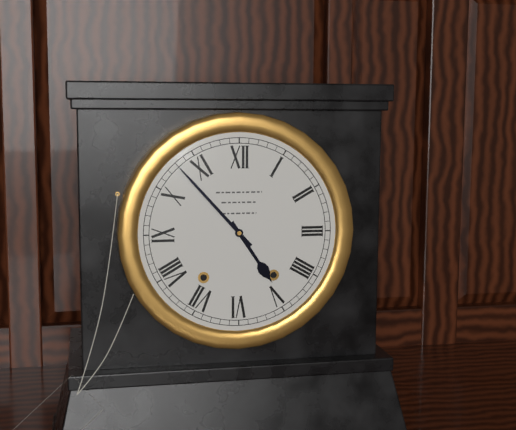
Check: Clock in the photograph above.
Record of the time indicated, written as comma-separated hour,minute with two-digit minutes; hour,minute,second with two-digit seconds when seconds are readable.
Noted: 4,53
